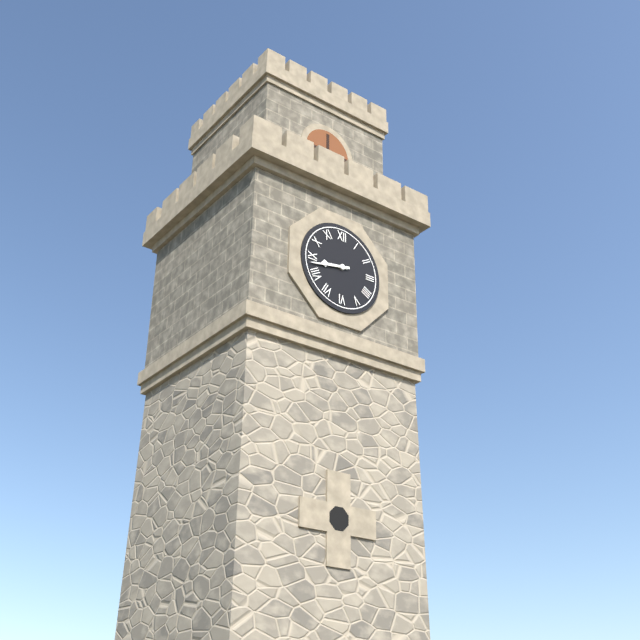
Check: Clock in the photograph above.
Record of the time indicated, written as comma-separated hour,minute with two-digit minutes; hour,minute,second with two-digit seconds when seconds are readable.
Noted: 8,43
